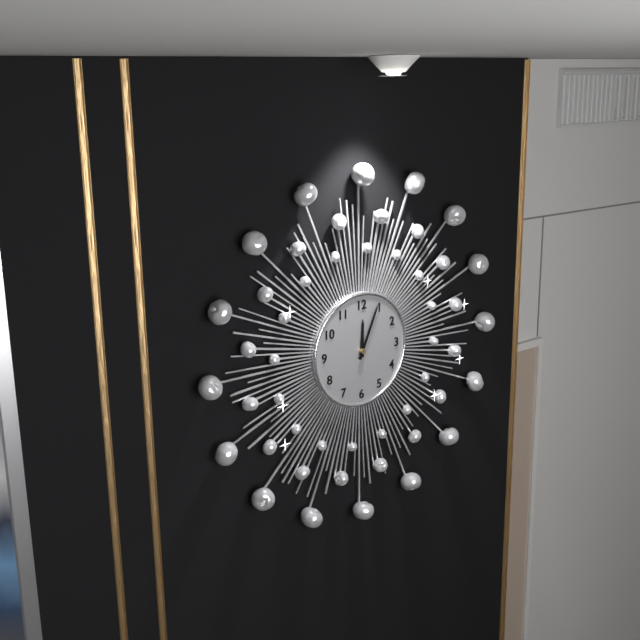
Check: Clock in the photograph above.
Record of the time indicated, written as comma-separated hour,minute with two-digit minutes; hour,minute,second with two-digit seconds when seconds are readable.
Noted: 12,04
